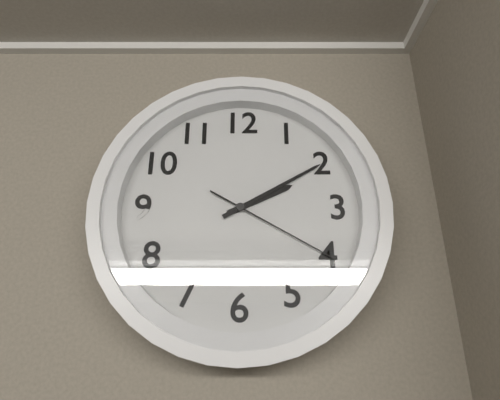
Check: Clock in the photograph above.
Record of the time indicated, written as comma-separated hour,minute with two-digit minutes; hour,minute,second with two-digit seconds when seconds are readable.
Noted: 2,10,20
